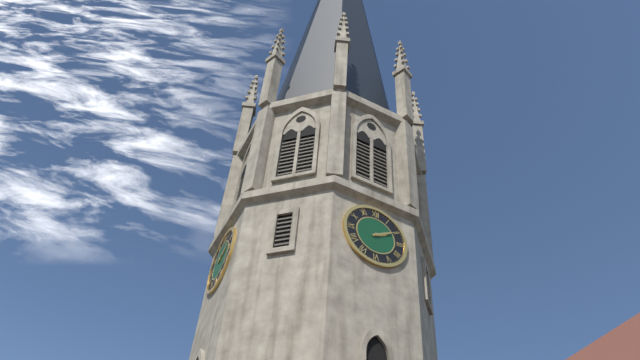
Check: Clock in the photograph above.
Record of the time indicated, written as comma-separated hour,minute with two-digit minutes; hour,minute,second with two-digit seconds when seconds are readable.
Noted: 2,10
